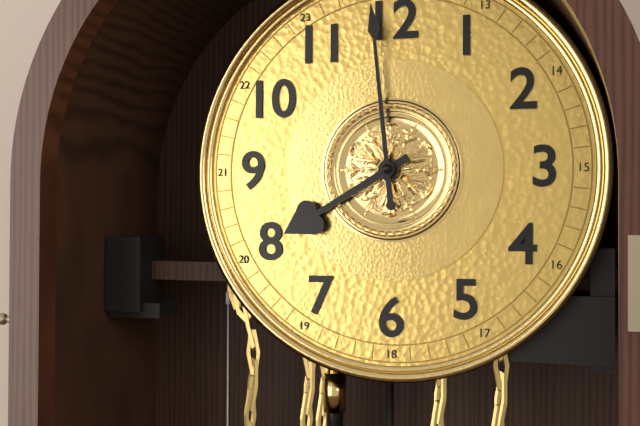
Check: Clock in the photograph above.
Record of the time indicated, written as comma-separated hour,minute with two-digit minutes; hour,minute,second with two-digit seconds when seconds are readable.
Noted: 7,59
